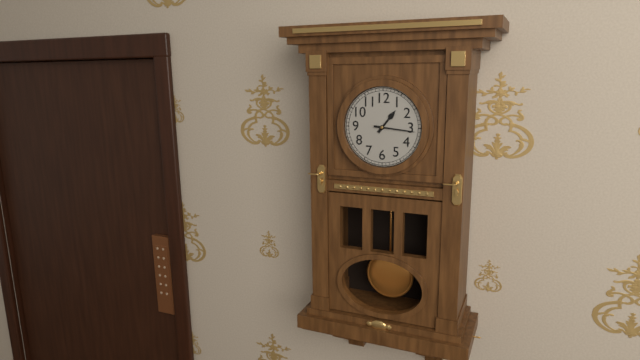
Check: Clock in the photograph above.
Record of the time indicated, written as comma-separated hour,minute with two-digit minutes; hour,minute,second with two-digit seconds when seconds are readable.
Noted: 1,16
